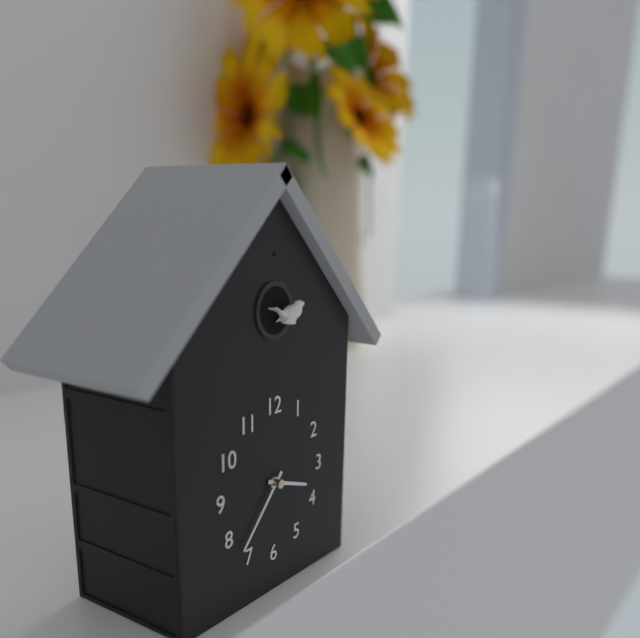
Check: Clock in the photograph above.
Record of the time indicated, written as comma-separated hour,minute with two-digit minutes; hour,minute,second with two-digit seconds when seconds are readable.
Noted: 3,37
